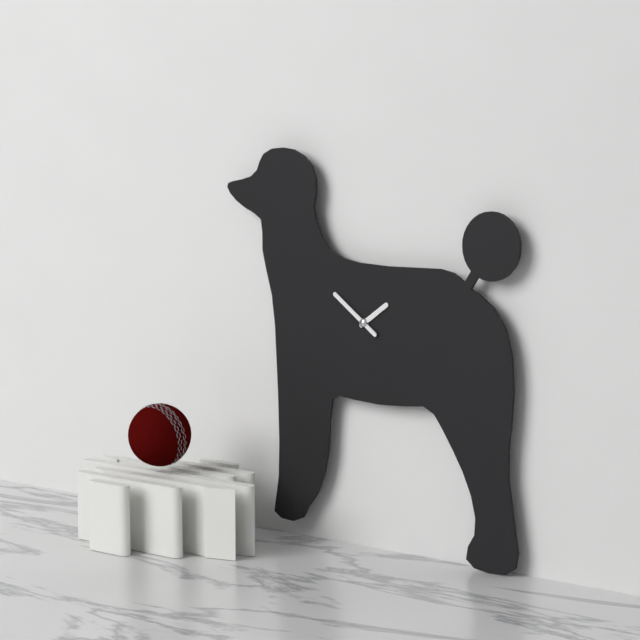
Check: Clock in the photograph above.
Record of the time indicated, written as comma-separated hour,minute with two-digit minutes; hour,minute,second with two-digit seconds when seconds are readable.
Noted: 1,51
